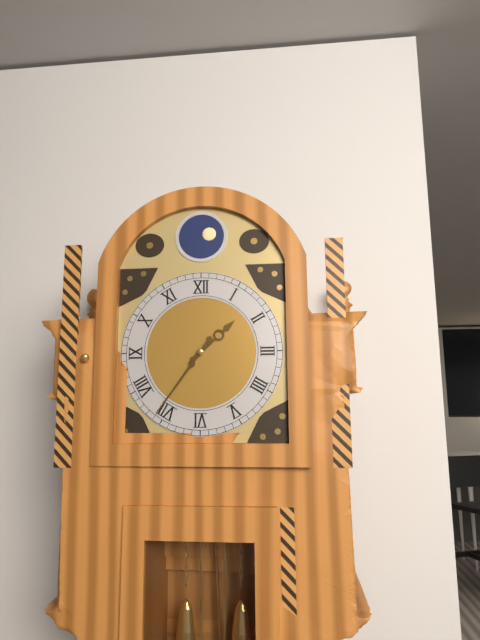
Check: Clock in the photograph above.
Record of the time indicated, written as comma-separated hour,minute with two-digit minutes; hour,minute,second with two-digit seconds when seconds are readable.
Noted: 1,36
